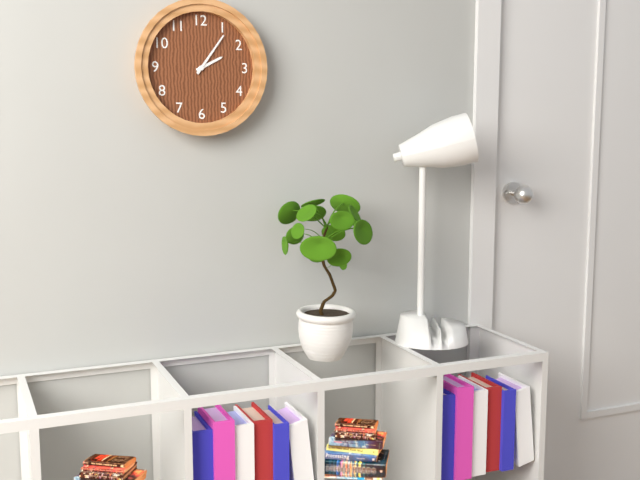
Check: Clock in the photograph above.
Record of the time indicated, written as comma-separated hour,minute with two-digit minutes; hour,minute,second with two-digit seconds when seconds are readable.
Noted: 2,06
